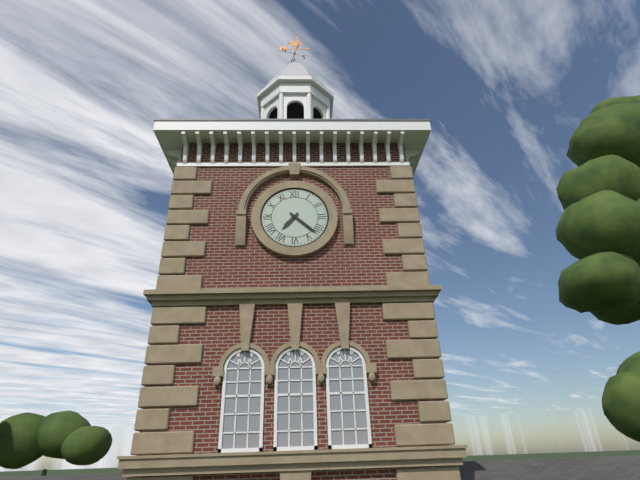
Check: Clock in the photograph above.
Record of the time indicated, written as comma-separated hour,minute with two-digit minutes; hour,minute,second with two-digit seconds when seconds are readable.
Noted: 7,22
